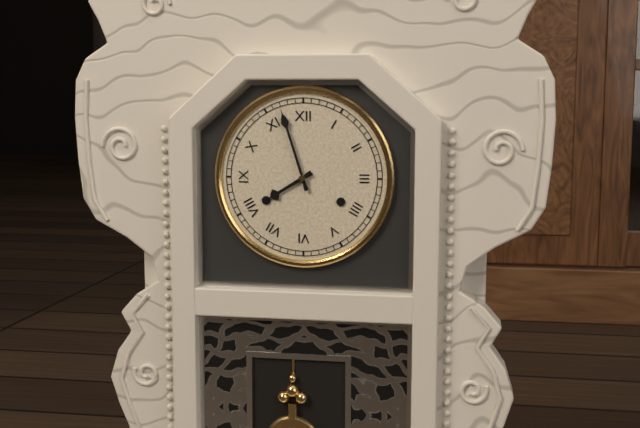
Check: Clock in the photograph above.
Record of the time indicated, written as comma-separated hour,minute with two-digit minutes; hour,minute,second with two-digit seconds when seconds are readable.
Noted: 7,57
